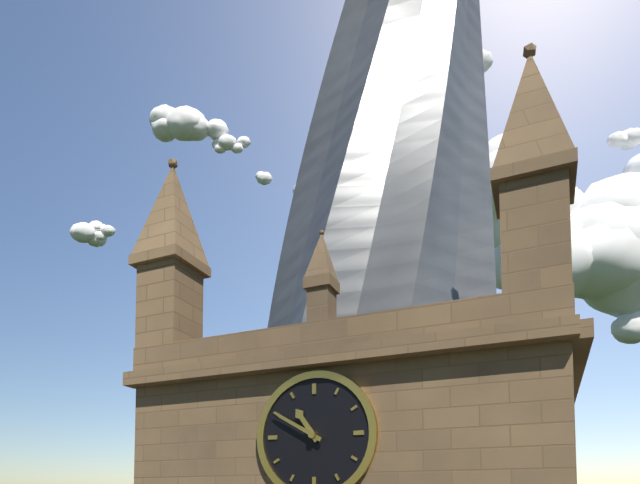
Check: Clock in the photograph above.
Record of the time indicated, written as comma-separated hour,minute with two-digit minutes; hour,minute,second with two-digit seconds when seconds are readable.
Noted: 10,50
